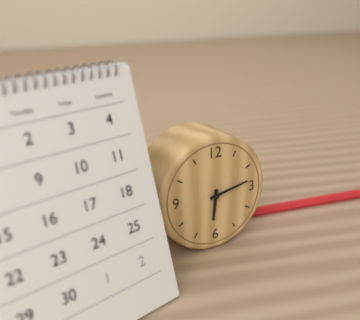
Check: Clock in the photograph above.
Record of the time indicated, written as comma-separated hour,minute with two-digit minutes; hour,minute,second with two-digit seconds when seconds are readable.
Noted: 6,13
